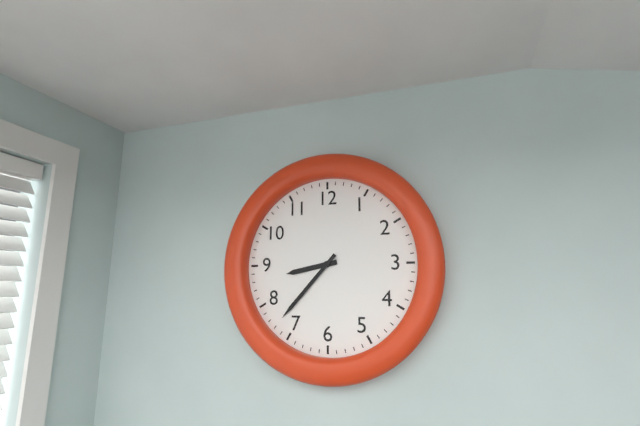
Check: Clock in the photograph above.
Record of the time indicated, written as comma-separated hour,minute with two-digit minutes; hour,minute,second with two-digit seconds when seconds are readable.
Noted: 8,37
